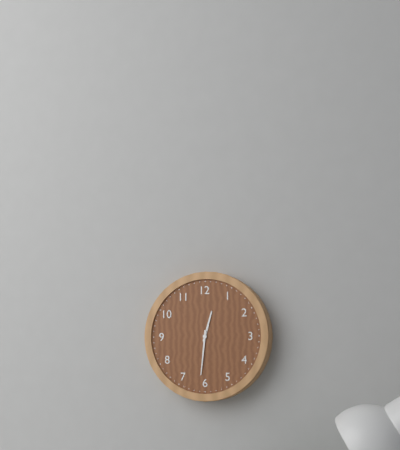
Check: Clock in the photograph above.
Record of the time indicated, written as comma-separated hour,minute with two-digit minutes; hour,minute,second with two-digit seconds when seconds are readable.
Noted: 12,31
